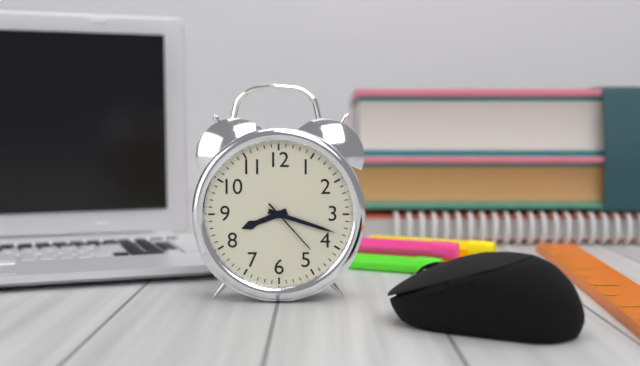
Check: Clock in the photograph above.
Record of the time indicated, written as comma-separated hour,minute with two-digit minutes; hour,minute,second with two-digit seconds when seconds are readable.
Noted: 8,18,23
